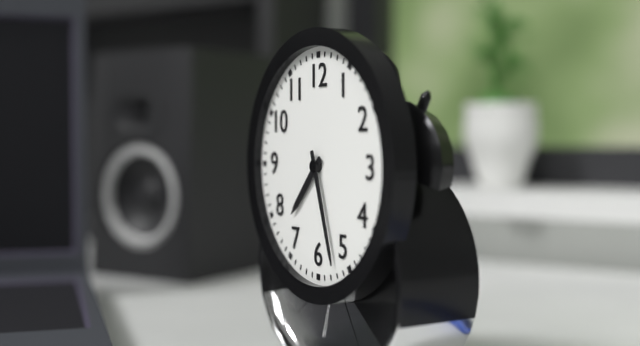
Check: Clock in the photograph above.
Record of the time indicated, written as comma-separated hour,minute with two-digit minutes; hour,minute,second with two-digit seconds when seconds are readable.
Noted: 7,27
